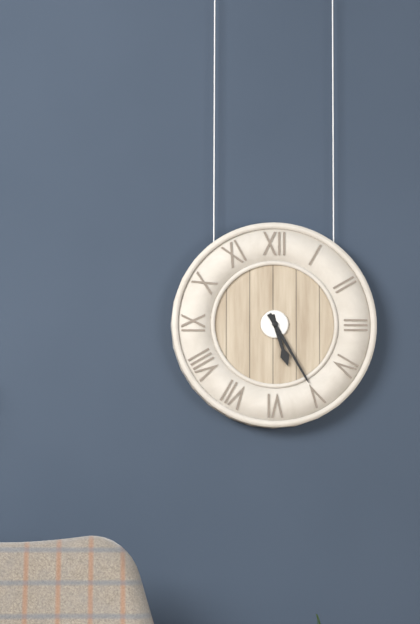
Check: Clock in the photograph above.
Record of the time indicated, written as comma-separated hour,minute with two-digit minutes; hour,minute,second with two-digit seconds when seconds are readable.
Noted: 5,25
